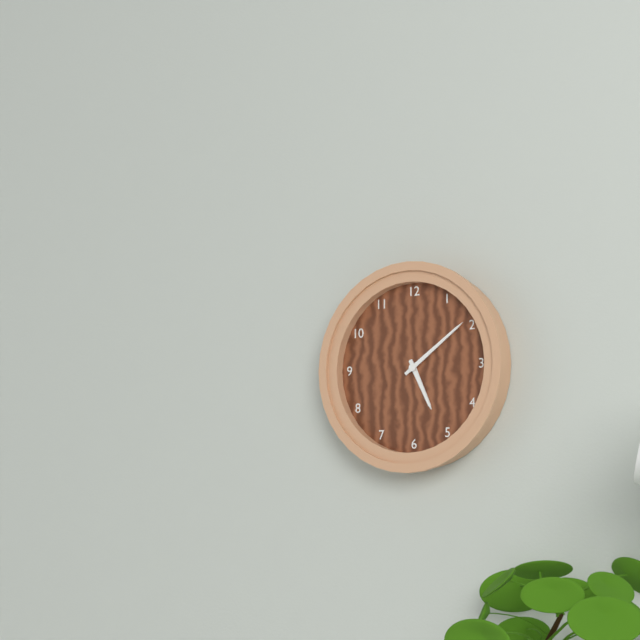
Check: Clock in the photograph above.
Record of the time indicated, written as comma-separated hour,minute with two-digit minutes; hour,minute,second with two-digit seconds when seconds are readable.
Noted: 5,09
